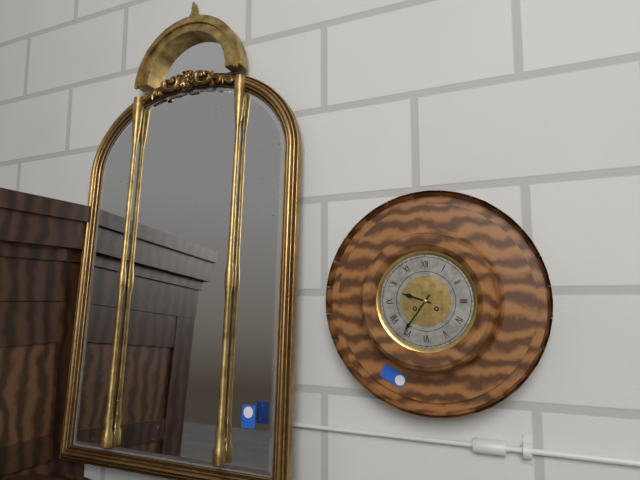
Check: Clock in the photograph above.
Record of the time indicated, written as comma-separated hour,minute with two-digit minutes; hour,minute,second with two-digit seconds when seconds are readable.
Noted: 9,36
